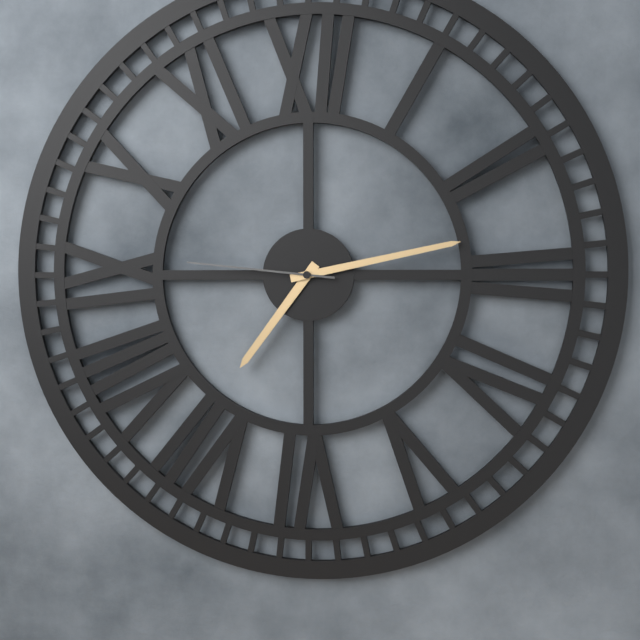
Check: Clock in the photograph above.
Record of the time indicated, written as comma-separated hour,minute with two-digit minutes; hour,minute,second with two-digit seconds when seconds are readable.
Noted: 7,13,46
